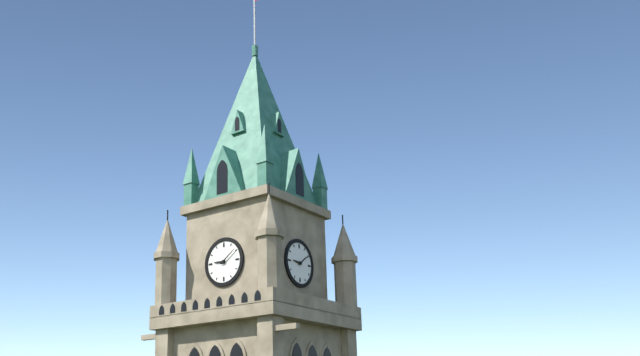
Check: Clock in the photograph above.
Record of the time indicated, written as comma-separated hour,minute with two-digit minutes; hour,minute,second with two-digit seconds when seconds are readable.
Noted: 9,09
